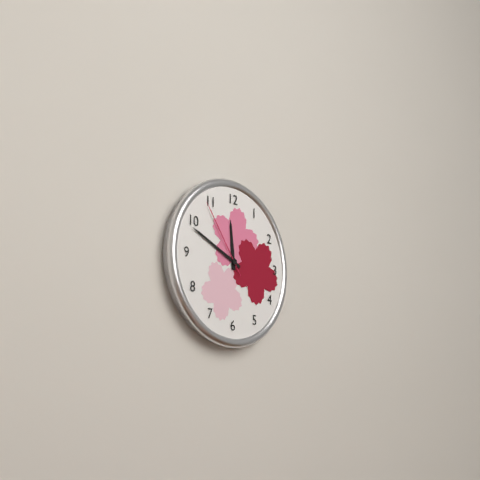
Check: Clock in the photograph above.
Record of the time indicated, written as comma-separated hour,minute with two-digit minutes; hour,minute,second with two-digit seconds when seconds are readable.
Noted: 11,49,54
